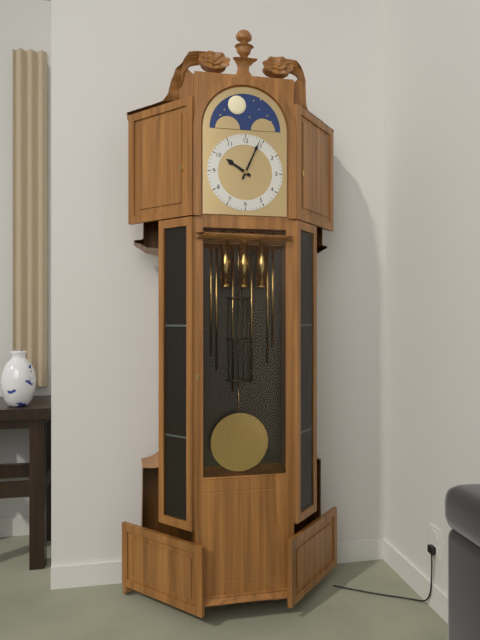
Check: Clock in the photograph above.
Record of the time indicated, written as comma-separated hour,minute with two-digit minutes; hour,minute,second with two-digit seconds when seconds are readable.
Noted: 10,04
